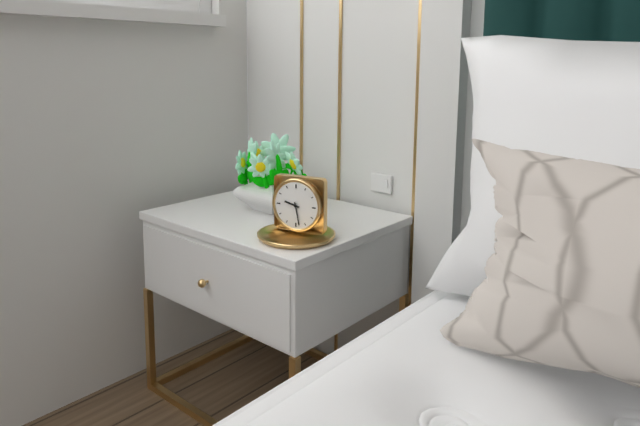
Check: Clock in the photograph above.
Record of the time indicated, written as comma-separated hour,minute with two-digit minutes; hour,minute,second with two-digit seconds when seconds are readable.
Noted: 9,28
